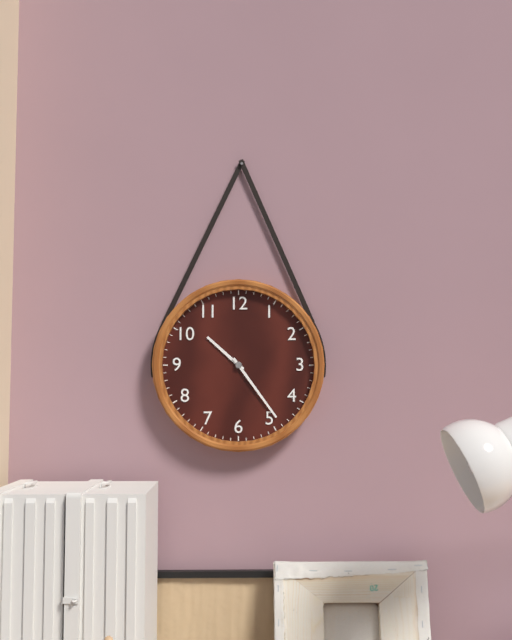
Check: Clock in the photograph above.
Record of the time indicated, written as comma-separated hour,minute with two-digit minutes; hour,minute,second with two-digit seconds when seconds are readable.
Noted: 10,24
